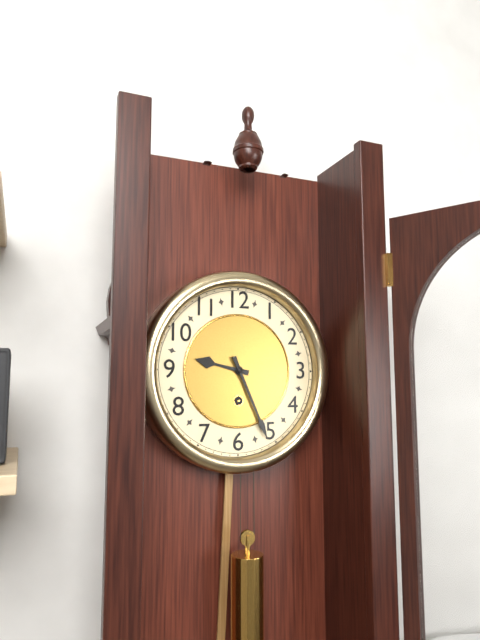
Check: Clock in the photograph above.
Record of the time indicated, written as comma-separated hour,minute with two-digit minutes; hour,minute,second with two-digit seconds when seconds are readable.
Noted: 9,26
